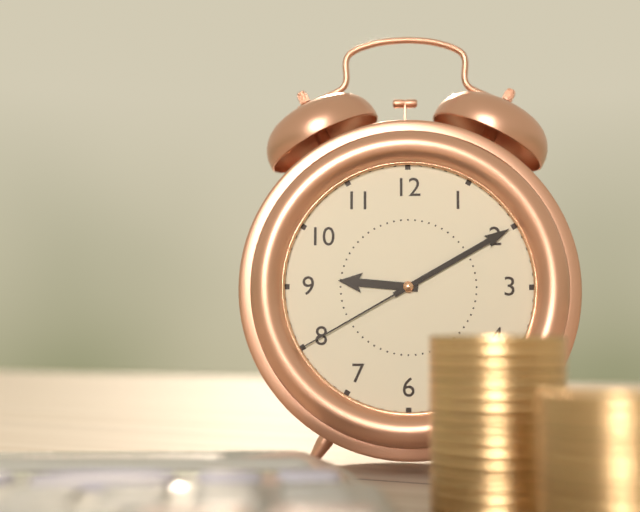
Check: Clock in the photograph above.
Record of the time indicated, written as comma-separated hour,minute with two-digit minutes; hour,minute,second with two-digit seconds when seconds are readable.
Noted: 9,10,40
